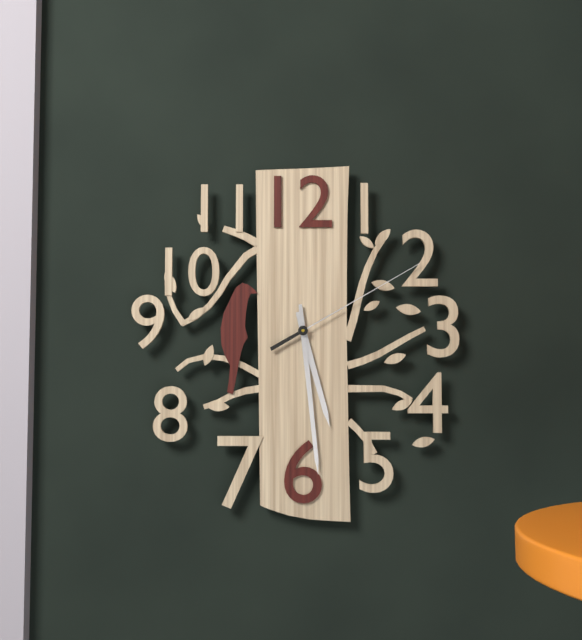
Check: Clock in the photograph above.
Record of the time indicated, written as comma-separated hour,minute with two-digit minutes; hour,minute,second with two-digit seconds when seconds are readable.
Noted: 5,29,10
